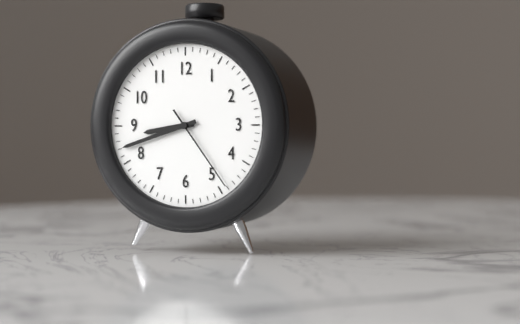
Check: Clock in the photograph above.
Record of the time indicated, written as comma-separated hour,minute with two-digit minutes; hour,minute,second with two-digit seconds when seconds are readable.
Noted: 8,42,24
